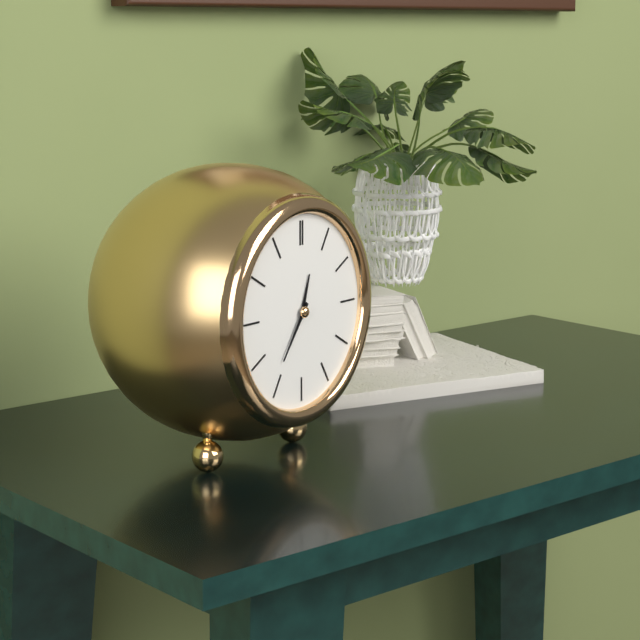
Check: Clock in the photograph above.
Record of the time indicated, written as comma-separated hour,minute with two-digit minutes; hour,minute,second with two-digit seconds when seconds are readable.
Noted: 12,36
